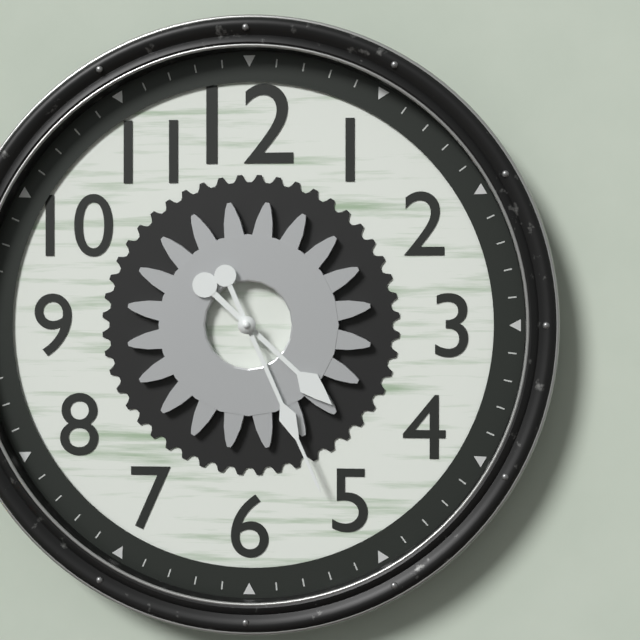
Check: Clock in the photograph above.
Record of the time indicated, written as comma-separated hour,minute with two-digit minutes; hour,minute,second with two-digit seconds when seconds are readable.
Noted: 4,26
